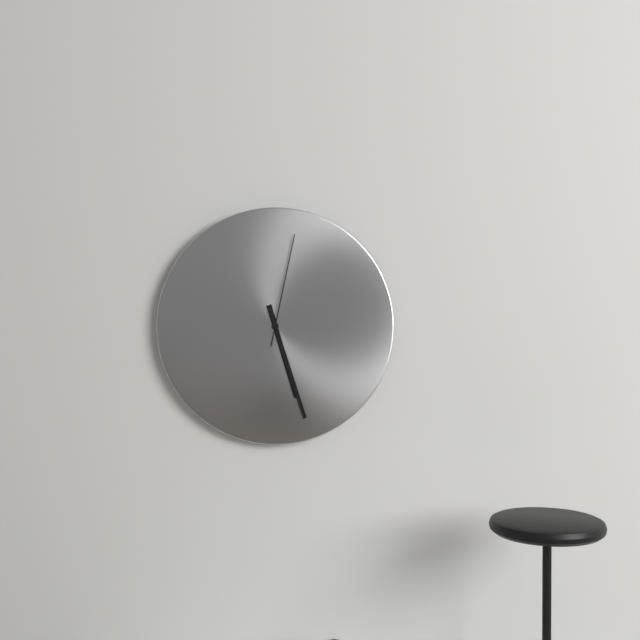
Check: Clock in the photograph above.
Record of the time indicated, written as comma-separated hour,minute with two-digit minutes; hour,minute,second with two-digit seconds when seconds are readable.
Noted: 5,27,02
